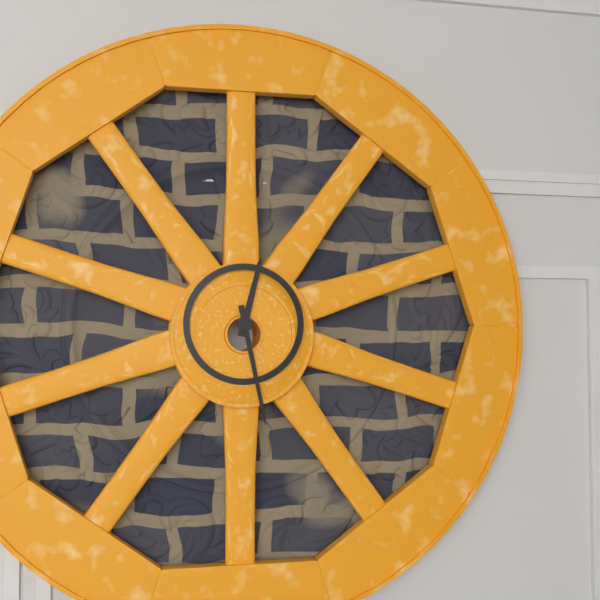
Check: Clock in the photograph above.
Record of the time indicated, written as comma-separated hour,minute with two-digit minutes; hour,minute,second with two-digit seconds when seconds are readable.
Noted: 12,28
